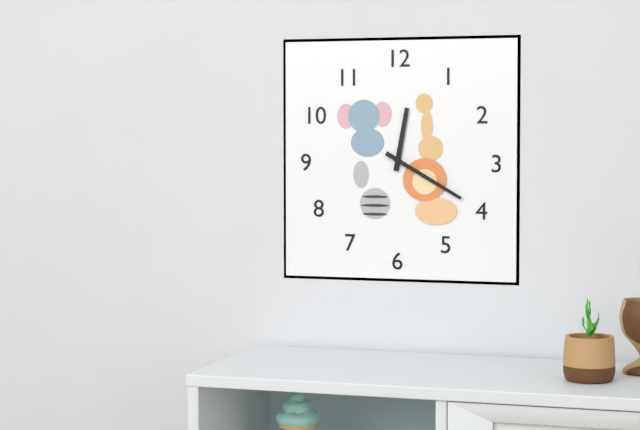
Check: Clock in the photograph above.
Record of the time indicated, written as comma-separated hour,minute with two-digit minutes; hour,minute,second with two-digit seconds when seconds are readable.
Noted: 12,20
